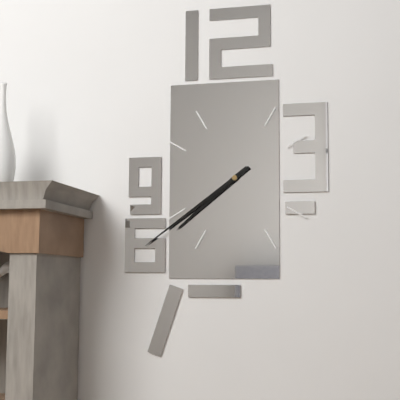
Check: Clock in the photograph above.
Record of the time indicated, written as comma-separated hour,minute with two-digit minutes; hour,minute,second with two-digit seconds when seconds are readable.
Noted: 7,39
